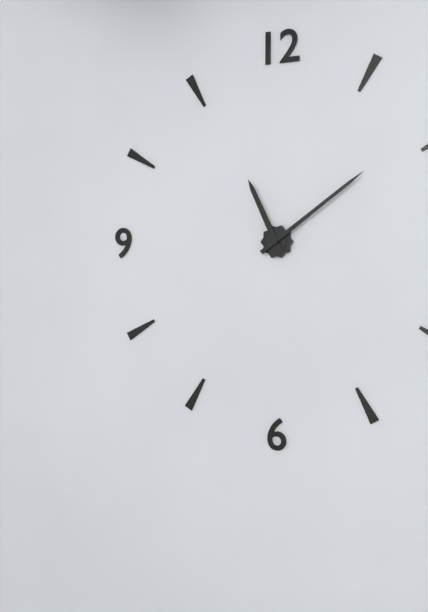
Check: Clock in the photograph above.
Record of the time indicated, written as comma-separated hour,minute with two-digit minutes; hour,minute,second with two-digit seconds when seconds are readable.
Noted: 11,09
